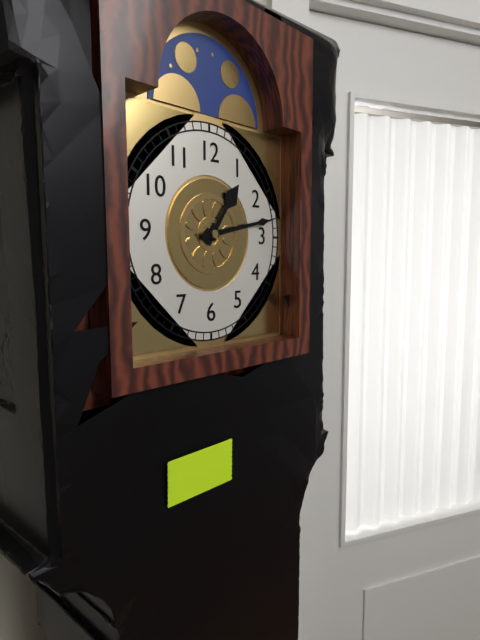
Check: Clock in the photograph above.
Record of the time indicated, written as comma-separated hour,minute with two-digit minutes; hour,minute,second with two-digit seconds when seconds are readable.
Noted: 1,13
